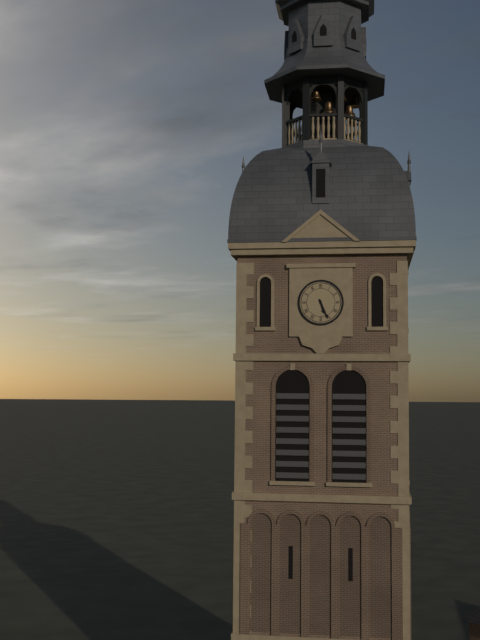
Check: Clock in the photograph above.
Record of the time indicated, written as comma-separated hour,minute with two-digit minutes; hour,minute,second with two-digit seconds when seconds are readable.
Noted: 5,26
